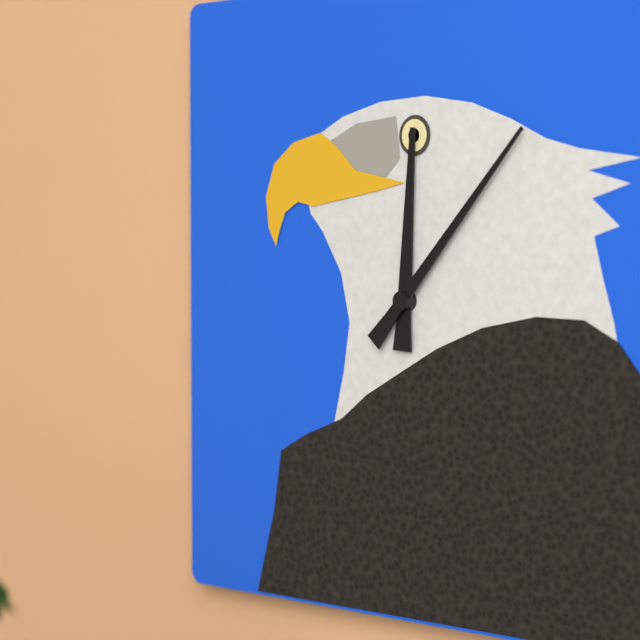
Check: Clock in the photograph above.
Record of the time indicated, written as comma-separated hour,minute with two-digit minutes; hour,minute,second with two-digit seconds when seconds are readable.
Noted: 12,07
